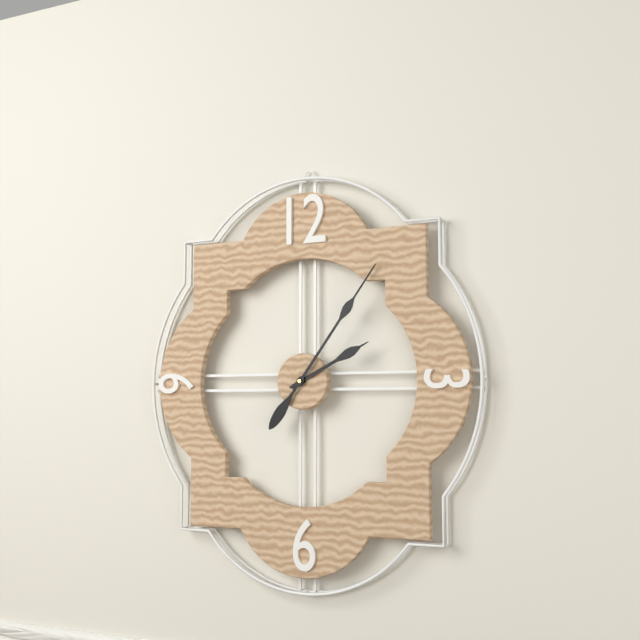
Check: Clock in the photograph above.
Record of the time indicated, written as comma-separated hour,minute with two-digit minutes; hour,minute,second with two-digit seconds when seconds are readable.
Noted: 2,06
